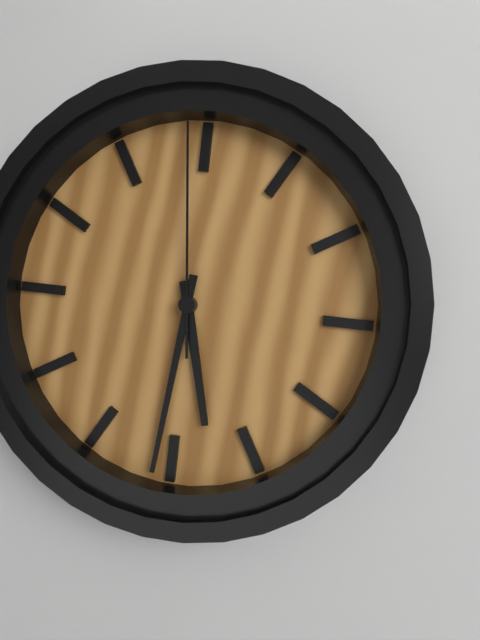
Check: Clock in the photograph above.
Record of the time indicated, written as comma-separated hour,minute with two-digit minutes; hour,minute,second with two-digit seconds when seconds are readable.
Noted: 5,31,59
